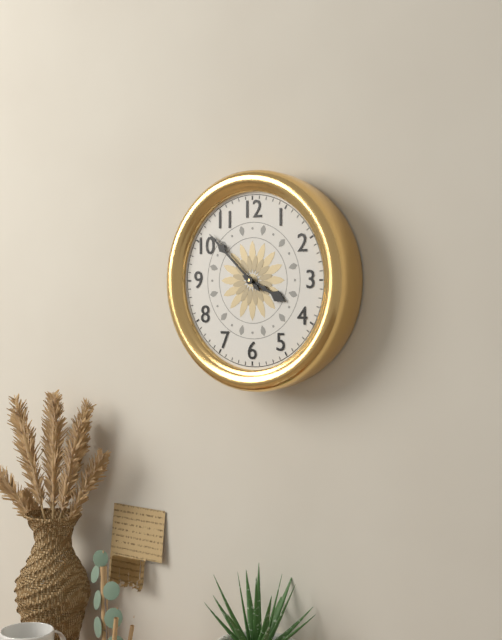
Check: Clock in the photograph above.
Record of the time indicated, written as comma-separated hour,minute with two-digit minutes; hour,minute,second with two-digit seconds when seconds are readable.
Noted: 3,52
